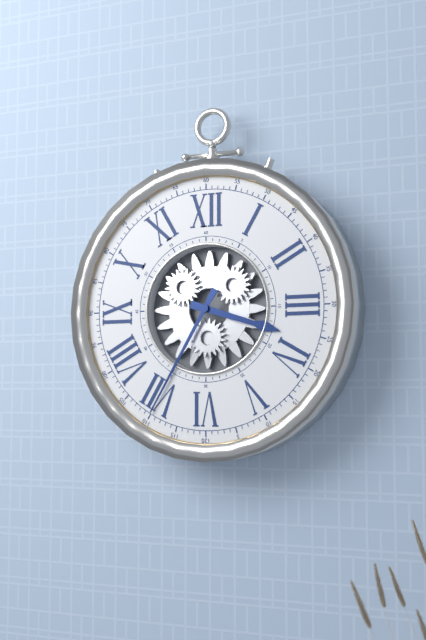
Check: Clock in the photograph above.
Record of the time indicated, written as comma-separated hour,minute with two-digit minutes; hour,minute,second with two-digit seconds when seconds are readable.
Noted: 3,35
